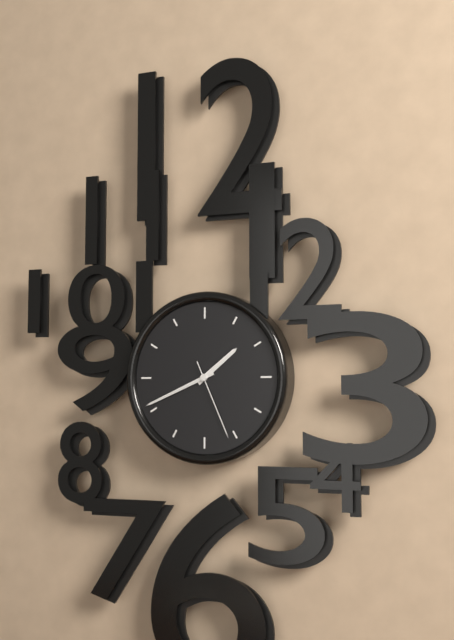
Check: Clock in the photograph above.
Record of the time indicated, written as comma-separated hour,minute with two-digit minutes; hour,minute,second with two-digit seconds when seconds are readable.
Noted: 1,41,26
